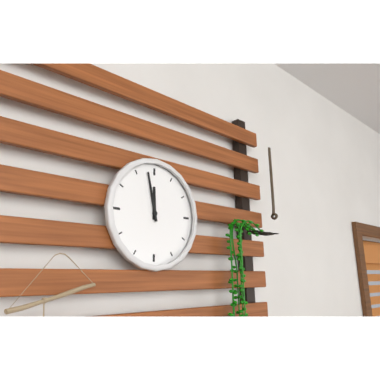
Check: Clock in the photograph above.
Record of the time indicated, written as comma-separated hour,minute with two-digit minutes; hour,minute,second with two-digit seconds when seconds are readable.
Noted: 11,58
